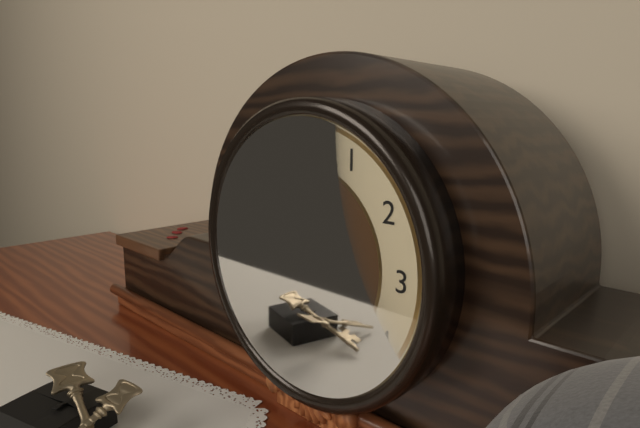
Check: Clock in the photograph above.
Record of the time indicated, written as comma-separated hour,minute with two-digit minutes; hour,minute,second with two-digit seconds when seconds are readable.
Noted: 8,56
